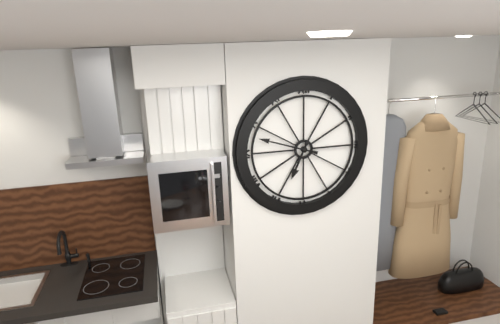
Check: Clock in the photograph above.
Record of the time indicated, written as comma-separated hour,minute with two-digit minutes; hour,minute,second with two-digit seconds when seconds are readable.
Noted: 6,48
